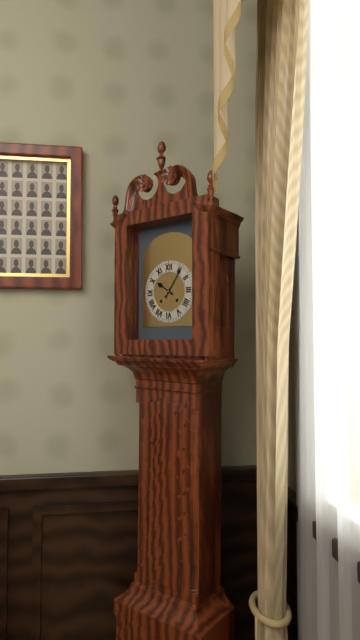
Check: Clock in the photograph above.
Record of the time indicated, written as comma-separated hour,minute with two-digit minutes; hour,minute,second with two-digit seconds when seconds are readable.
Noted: 10,06
